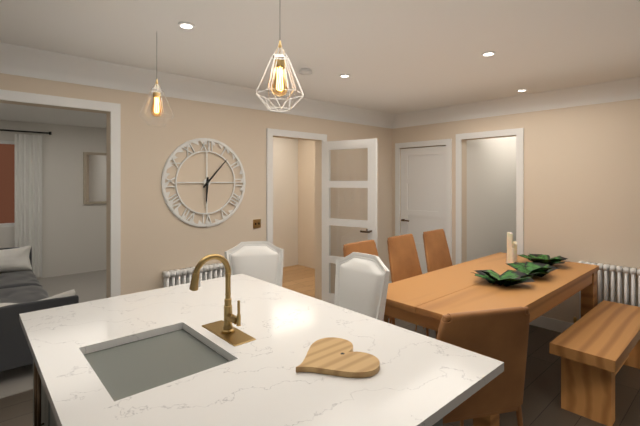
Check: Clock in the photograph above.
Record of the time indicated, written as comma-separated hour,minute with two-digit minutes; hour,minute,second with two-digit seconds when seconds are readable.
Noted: 6,07
